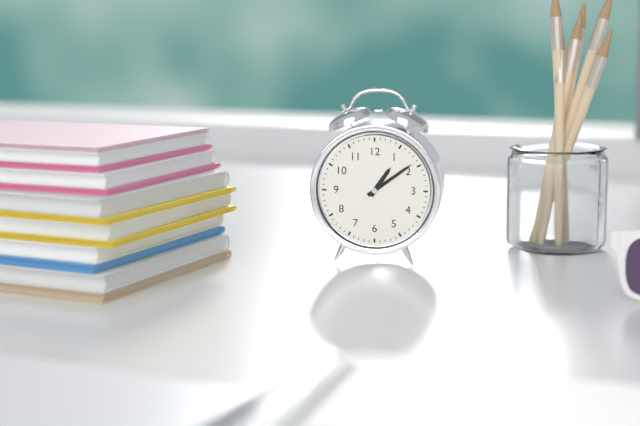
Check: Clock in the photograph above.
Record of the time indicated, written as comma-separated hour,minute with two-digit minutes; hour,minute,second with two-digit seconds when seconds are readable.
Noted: 1,09
